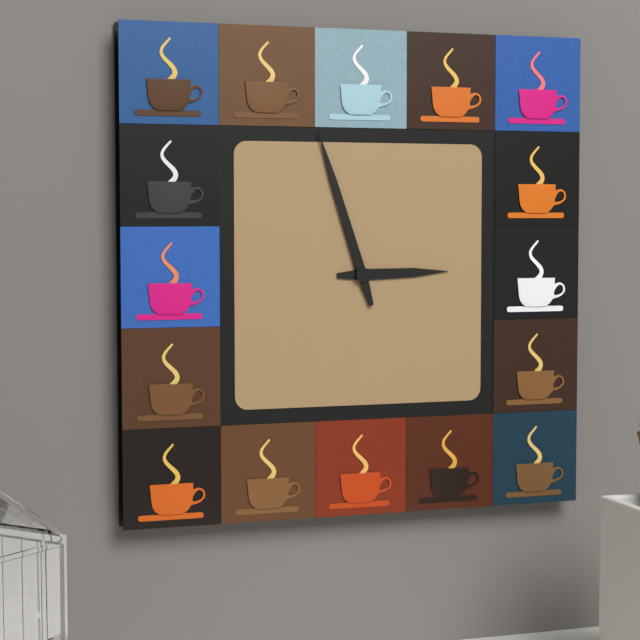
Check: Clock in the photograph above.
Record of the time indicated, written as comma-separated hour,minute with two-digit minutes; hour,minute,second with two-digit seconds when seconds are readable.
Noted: 2,57
